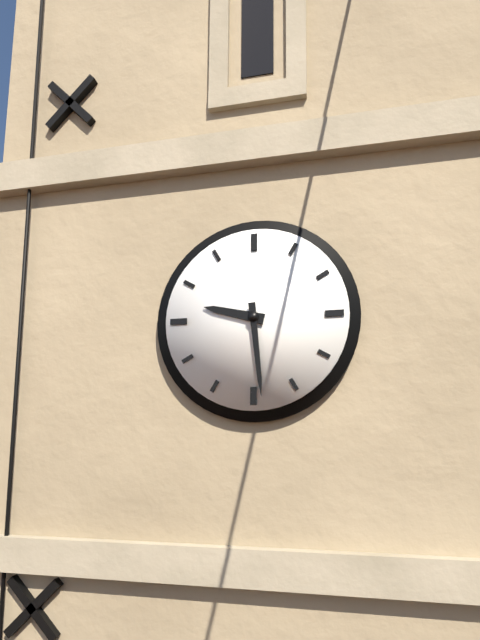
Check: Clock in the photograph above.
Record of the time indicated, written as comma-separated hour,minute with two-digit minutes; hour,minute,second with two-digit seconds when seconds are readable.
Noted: 9,29
